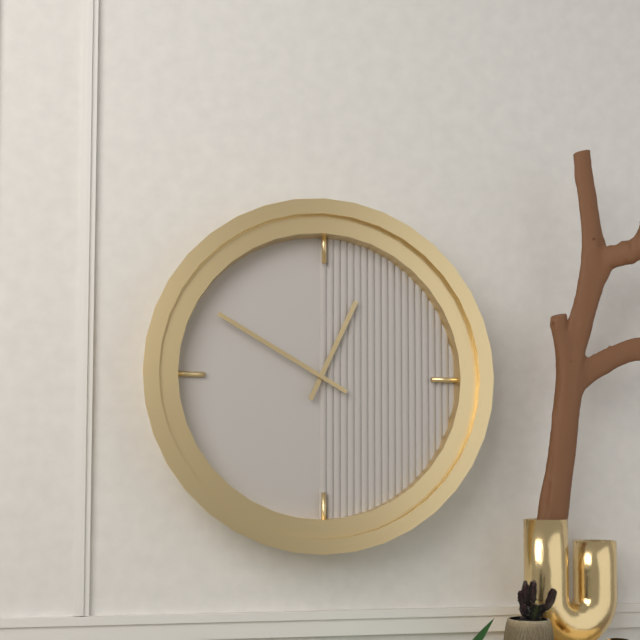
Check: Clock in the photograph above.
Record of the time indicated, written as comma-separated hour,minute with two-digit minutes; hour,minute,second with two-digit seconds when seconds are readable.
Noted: 12,50
